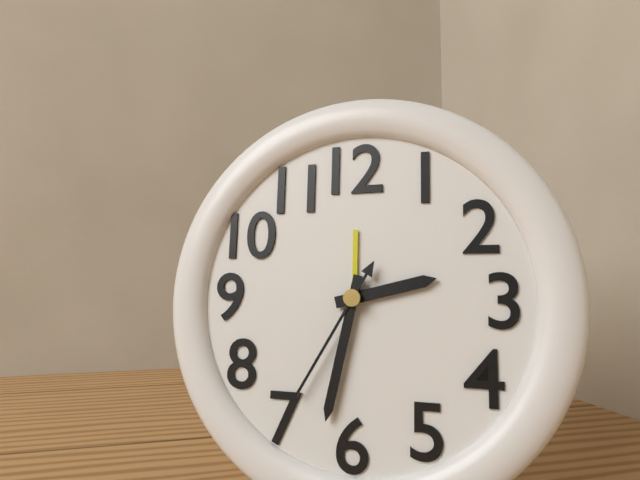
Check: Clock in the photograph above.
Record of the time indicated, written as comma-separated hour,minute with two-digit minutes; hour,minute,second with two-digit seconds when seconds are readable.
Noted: 2,32,35
